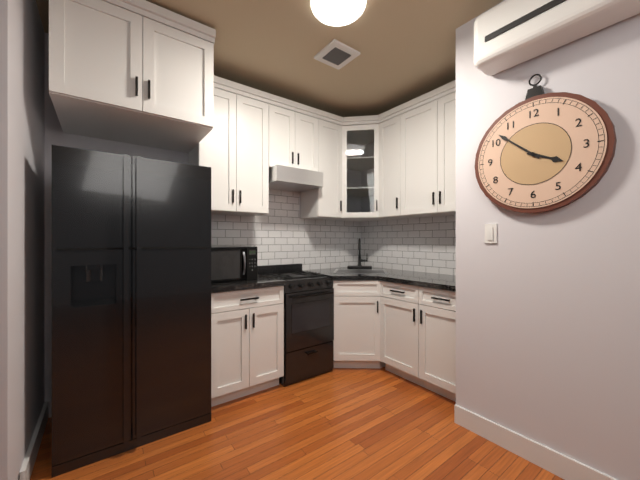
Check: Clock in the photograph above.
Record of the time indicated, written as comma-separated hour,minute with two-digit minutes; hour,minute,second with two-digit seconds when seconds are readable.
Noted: 3,52
